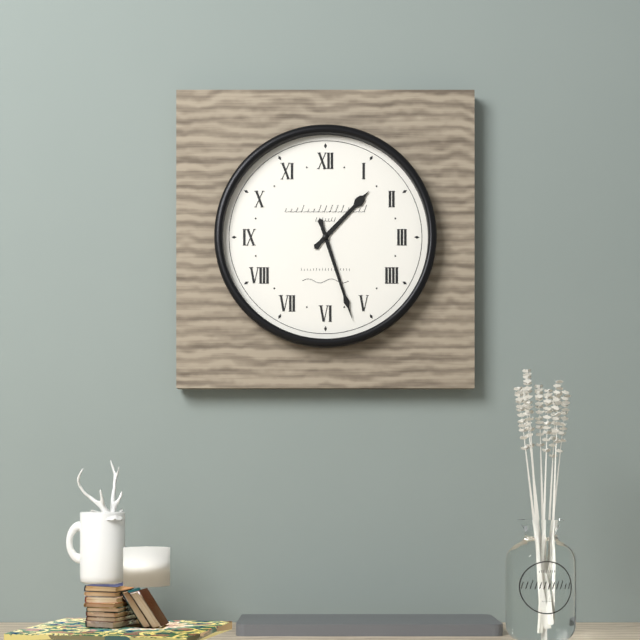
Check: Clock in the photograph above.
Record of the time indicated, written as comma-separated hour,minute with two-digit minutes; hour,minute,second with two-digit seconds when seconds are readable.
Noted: 1,27
